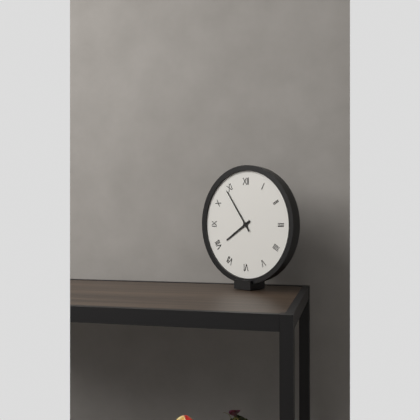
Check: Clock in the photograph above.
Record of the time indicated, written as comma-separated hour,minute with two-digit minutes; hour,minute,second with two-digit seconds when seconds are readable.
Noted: 7,54
